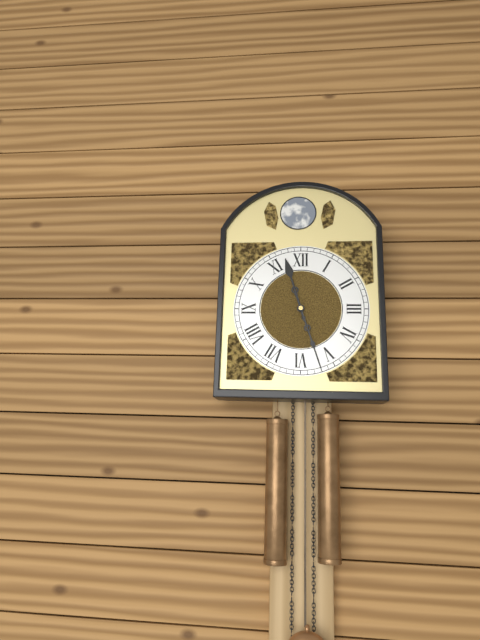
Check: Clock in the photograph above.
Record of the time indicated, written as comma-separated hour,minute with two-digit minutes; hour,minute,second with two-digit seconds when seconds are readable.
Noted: 11,27
